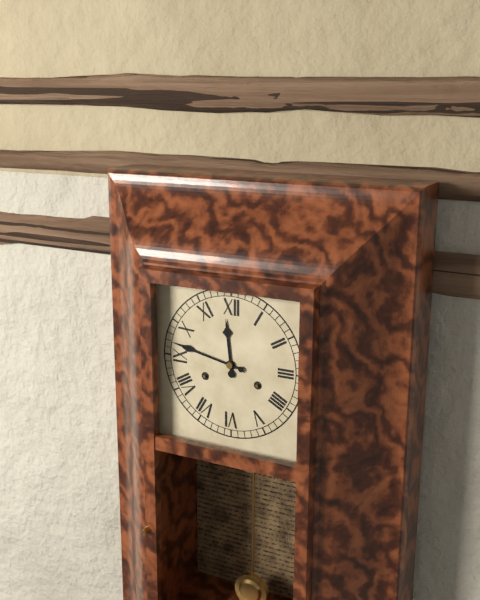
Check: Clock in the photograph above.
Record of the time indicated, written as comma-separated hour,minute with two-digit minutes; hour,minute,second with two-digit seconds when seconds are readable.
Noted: 11,47
